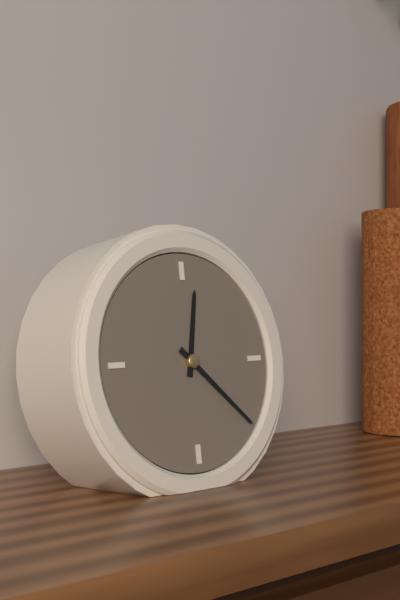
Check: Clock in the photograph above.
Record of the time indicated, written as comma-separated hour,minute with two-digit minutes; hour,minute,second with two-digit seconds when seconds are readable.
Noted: 12,22
